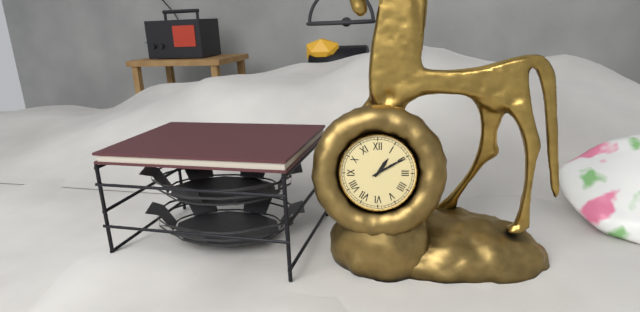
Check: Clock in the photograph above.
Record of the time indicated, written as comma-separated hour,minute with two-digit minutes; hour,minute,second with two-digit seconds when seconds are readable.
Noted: 1,10
